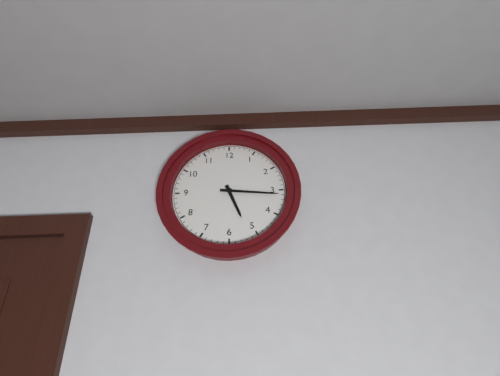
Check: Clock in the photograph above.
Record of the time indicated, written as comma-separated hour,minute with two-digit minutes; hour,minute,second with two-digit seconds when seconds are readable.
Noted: 5,16
